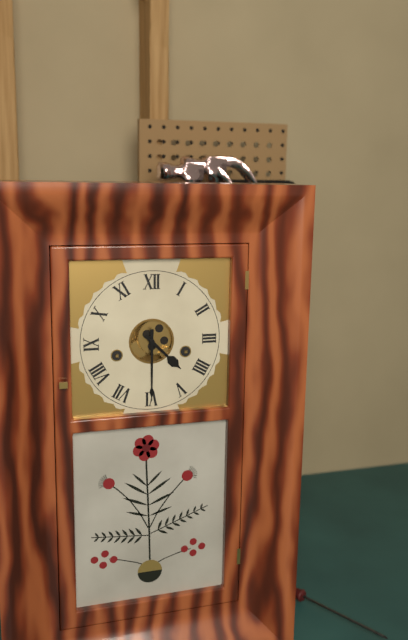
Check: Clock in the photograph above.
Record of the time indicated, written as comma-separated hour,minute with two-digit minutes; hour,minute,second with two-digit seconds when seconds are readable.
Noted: 4,30
